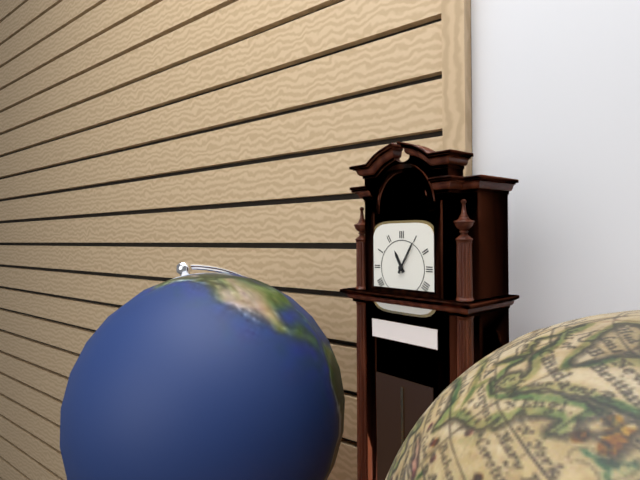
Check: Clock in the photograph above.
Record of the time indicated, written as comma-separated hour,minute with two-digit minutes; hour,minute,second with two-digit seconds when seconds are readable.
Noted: 11,05
